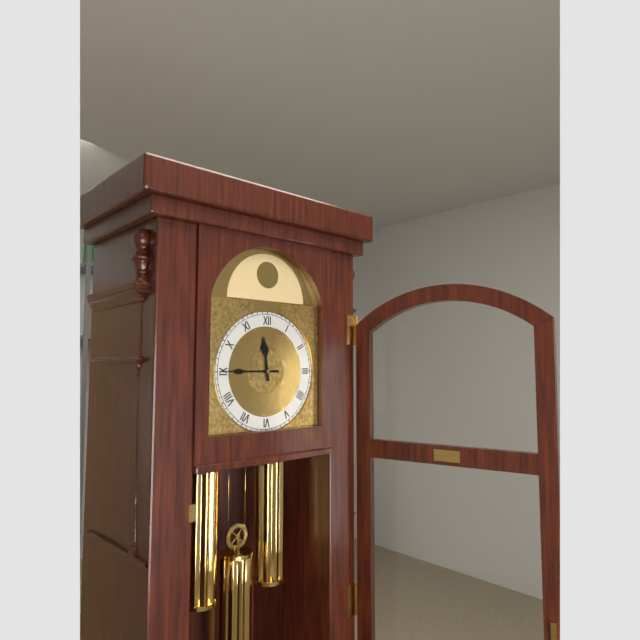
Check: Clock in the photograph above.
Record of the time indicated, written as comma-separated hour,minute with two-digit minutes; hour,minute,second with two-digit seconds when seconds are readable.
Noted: 11,45
